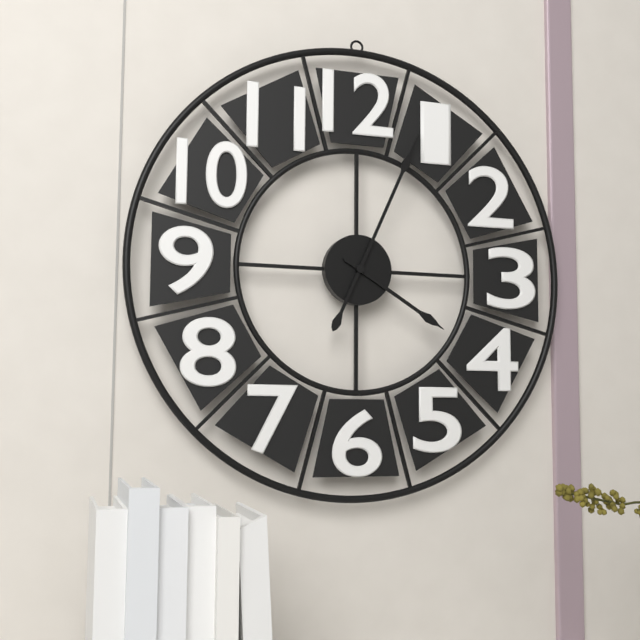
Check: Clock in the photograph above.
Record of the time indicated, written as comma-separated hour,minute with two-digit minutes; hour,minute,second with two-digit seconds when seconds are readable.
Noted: 4,04
